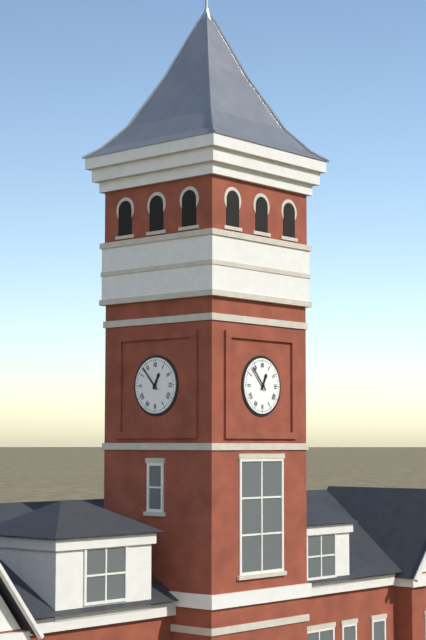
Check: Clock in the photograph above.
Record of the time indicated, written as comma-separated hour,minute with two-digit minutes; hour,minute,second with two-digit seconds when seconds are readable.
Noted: 12,53
